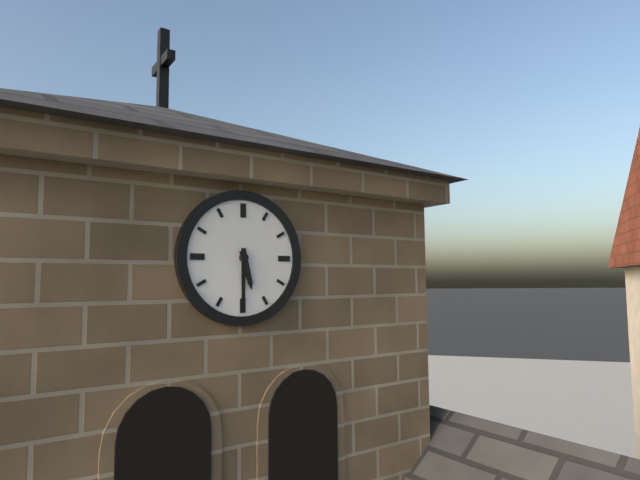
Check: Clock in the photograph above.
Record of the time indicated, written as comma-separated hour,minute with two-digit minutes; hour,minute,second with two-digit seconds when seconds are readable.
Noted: 5,30
